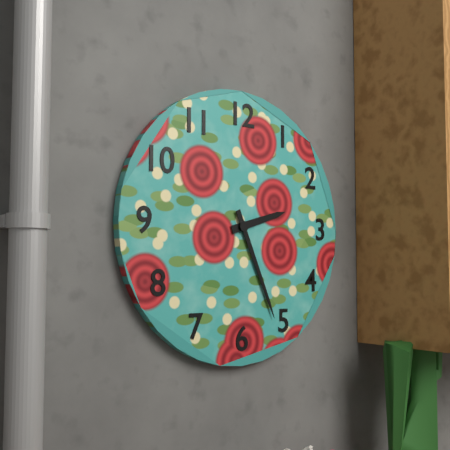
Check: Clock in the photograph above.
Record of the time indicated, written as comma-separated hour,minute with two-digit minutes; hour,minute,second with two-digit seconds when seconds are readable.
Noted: 2,26
